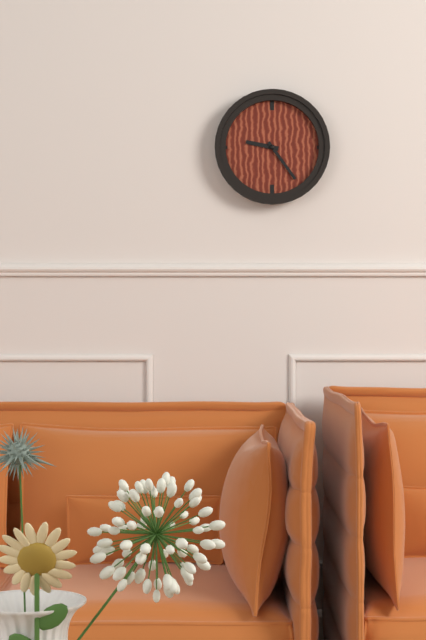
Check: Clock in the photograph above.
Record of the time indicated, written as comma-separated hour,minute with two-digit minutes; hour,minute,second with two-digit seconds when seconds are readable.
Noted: 9,24
